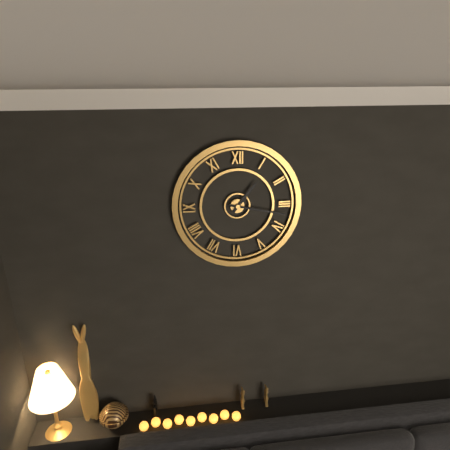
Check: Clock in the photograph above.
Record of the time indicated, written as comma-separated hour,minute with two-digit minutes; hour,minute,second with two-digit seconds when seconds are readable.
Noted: 1,17
